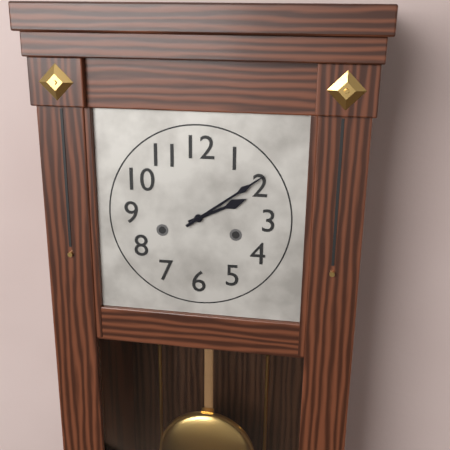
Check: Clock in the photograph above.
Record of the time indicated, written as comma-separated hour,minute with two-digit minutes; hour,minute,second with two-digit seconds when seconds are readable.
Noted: 2,09
